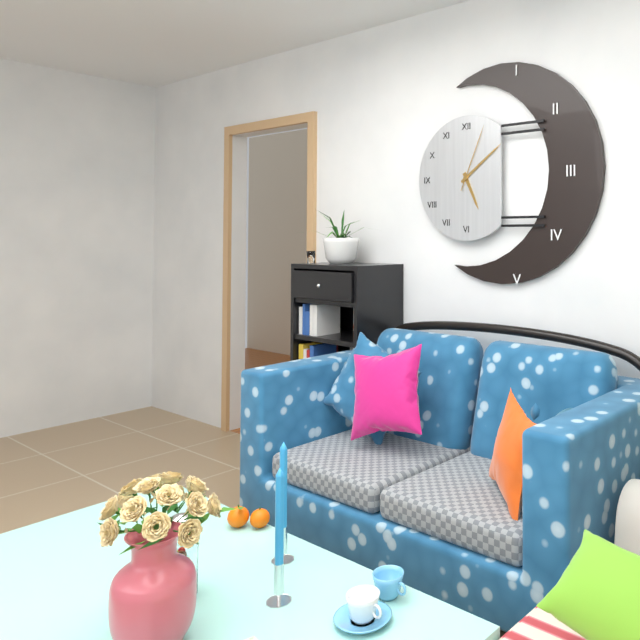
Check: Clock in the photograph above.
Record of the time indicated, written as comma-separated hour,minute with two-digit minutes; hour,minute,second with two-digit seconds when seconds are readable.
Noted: 5,09,04
